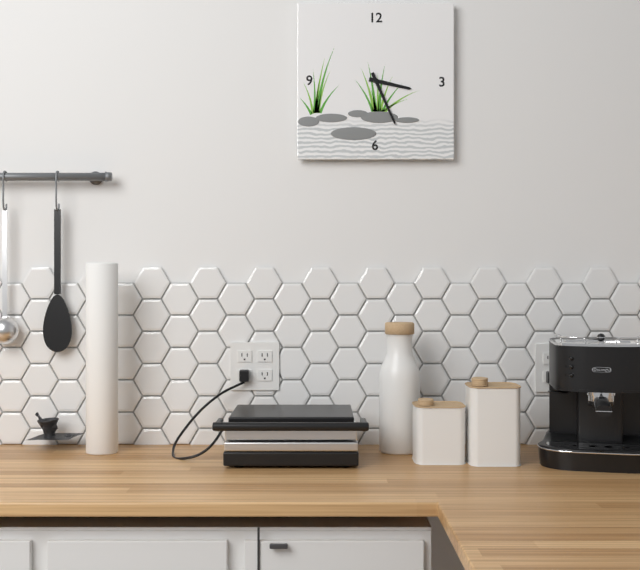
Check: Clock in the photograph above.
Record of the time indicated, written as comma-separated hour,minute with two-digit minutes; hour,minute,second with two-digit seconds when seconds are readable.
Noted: 3,26
